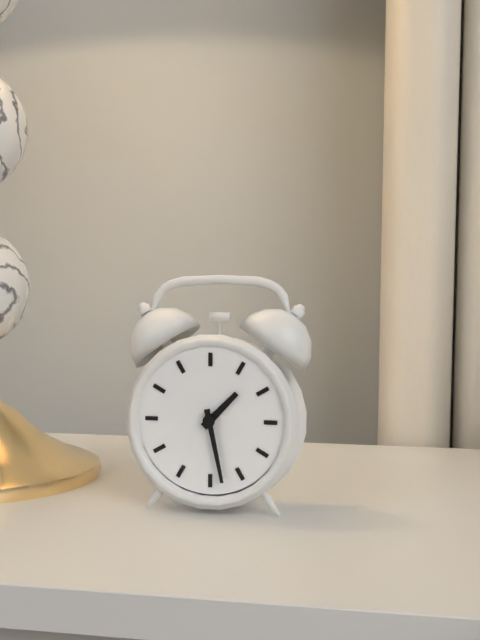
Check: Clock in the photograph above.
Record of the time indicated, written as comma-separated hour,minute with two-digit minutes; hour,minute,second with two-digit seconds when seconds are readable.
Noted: 1,28
